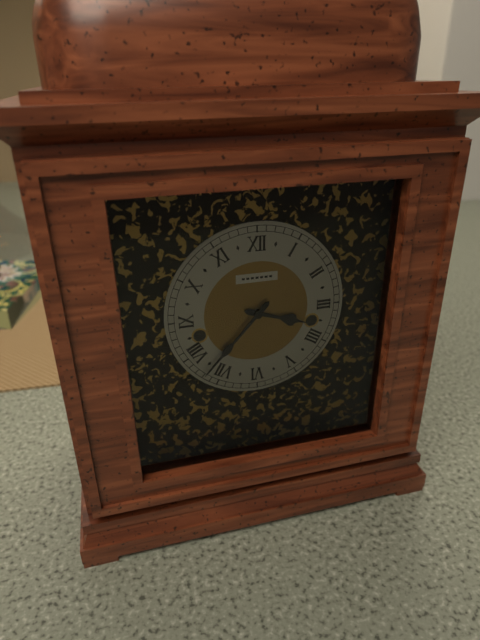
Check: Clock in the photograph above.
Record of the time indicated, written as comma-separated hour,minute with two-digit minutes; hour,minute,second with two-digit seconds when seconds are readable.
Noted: 3,37
